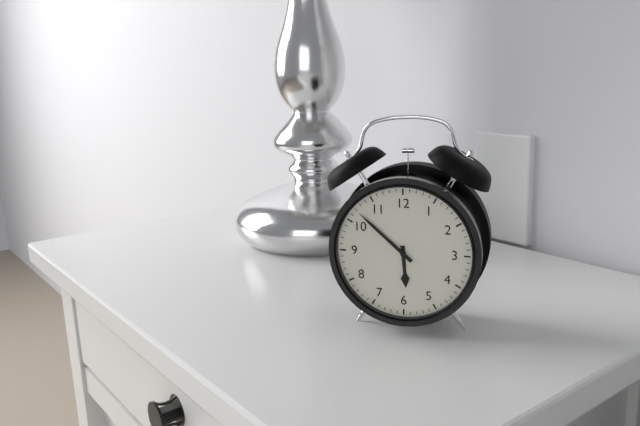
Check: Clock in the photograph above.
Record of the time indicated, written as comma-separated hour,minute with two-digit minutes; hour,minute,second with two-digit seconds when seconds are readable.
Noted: 5,52
